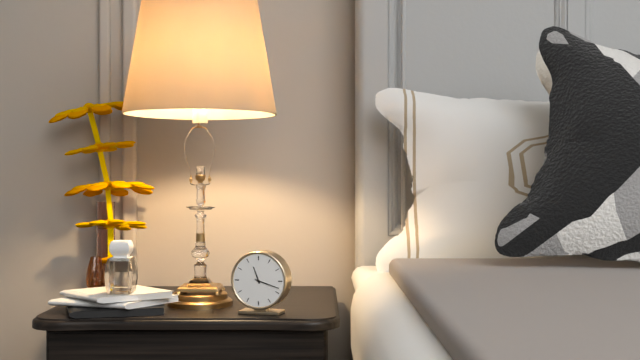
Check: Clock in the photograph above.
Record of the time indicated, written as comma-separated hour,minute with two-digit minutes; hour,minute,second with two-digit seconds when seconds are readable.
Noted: 11,18
